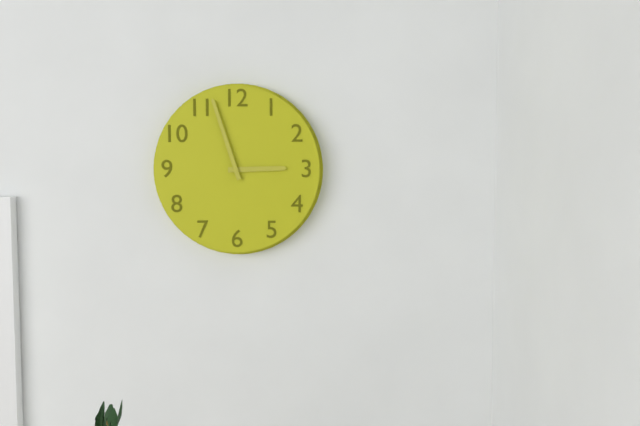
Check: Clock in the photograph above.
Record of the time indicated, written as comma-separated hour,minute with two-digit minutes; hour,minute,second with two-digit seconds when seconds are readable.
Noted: 2,57
